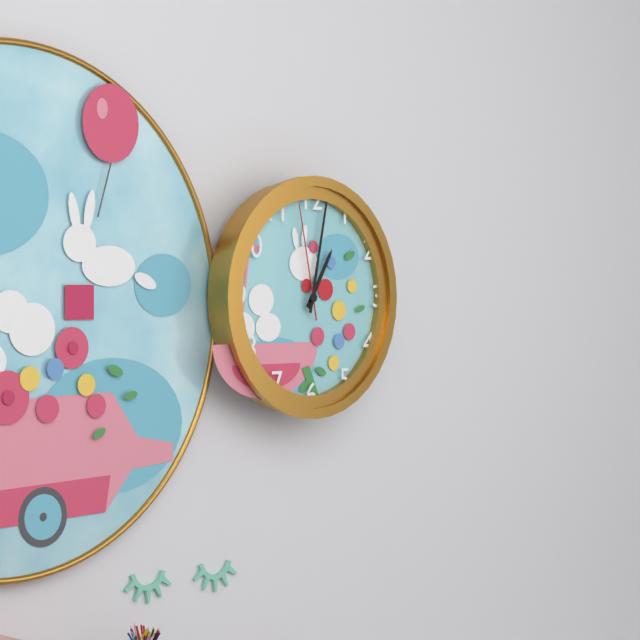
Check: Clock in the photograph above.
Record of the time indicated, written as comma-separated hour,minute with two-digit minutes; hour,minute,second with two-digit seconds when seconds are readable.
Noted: 1,02,58
